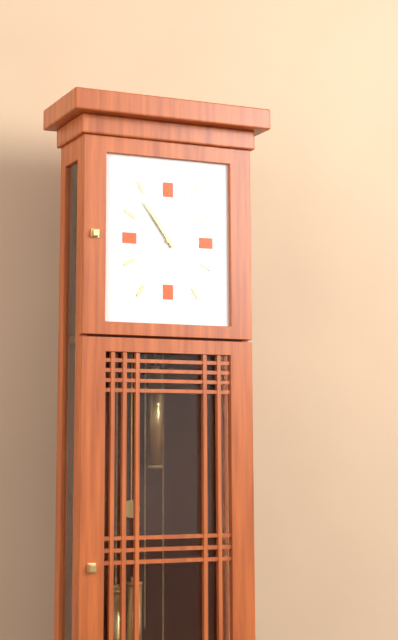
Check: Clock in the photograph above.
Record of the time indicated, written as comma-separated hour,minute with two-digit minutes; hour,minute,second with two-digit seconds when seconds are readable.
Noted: 10,54
